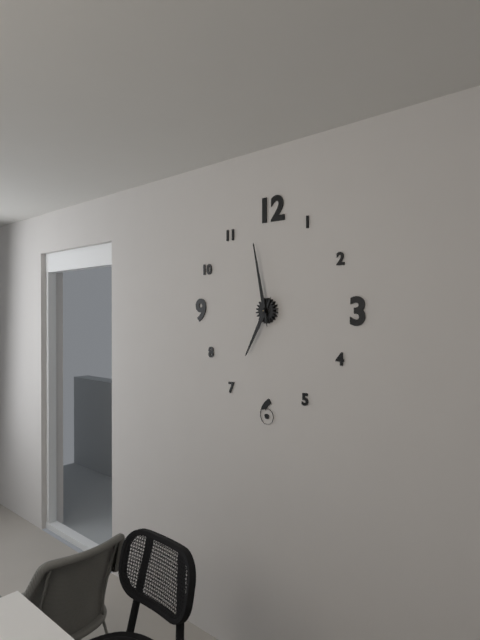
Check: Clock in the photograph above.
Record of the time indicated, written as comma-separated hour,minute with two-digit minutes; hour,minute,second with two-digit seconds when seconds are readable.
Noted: 6,58
